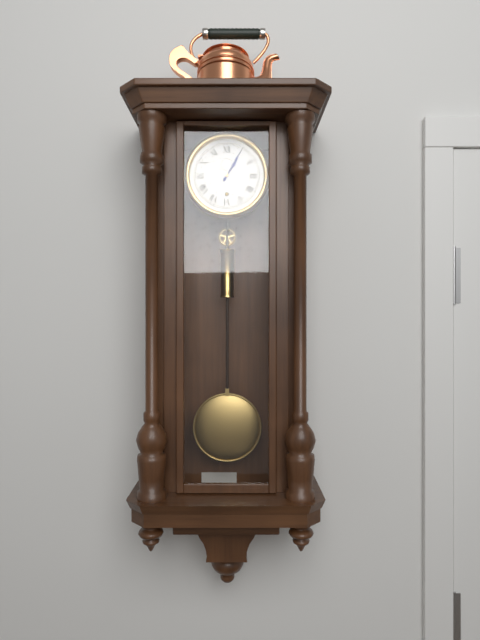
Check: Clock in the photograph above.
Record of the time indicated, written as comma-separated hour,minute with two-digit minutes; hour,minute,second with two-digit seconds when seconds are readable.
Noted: 1,05
